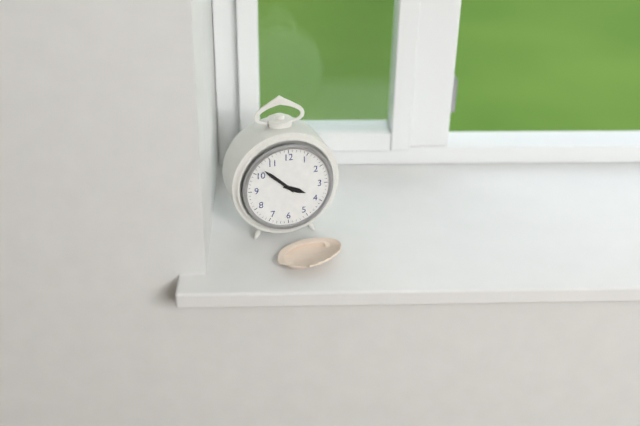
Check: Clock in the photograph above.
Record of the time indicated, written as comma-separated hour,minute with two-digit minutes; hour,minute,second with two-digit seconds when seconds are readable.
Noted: 3,52
